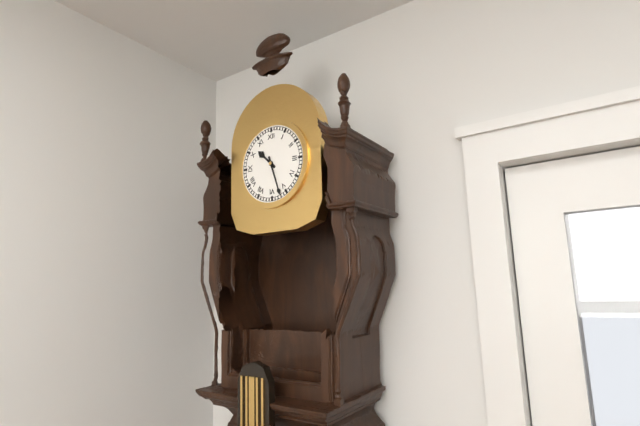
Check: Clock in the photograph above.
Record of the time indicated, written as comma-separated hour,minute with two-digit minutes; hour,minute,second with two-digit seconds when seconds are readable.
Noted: 10,27
